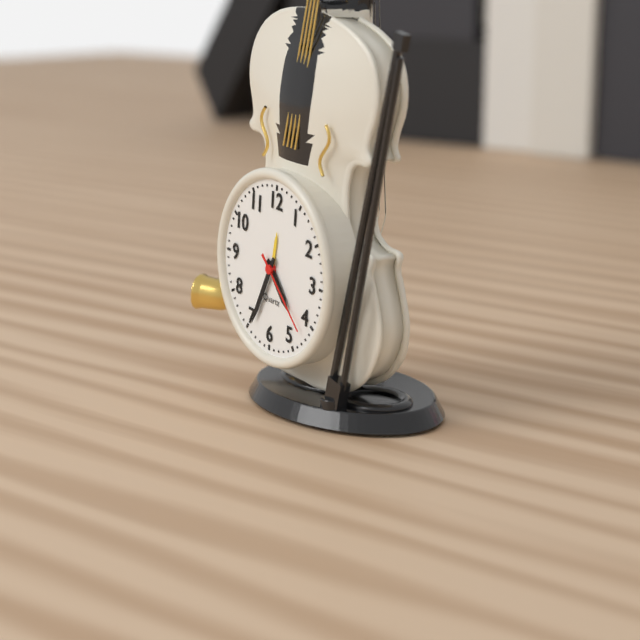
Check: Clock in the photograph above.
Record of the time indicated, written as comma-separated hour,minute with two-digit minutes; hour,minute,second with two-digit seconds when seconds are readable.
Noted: 4,34,22
